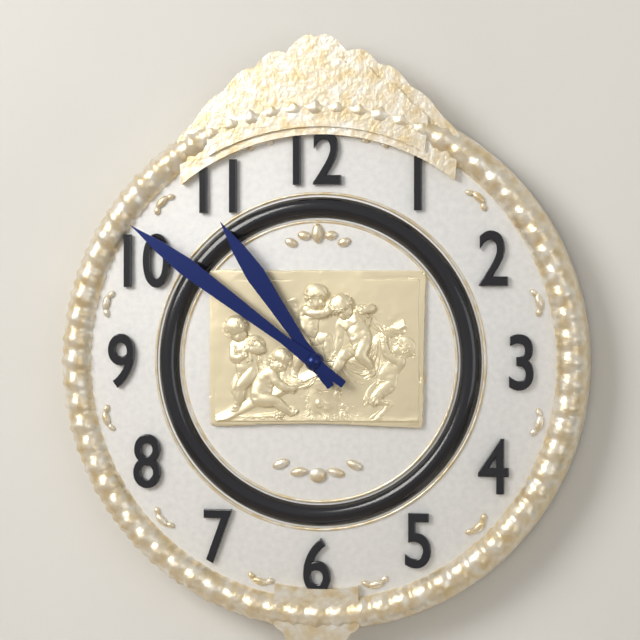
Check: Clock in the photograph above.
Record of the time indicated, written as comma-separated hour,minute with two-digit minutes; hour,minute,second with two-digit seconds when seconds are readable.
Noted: 10,51
